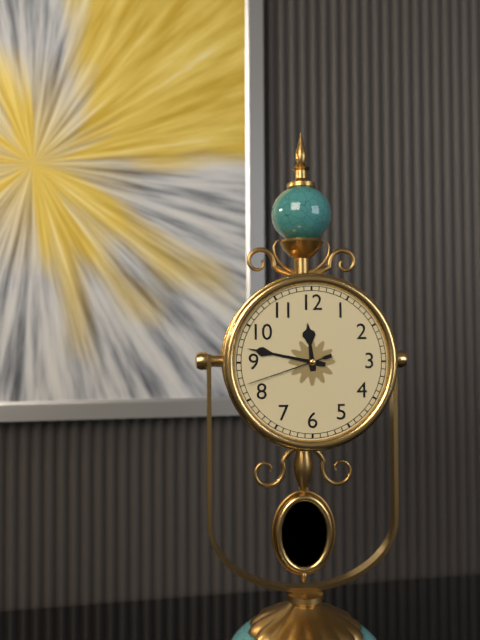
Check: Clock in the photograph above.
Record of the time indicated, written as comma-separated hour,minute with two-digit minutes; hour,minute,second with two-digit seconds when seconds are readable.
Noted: 11,47,42
